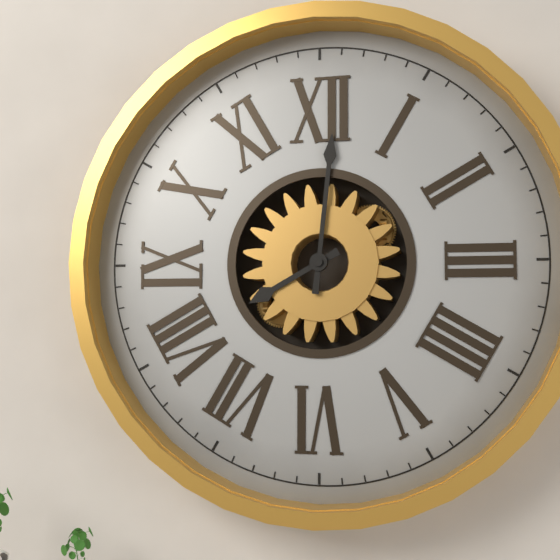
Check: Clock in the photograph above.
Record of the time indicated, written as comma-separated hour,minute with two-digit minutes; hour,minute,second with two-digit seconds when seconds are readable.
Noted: 8,01
